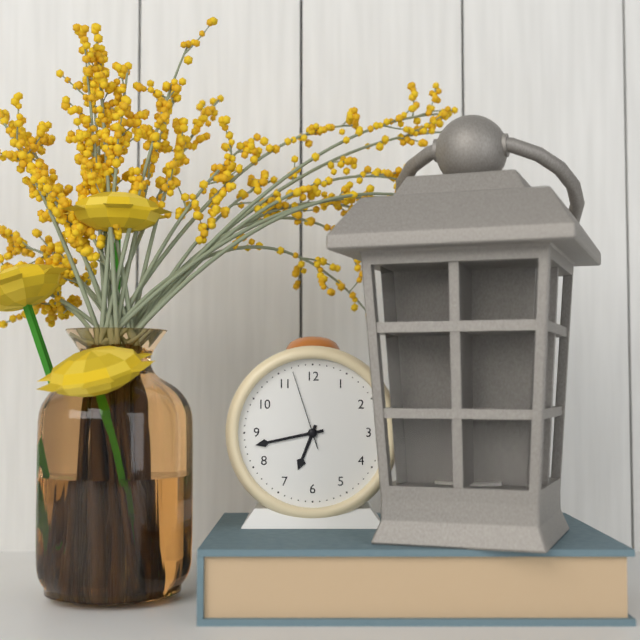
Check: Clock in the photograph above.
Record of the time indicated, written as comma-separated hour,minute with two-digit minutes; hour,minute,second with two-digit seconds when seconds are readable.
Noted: 6,43,57
